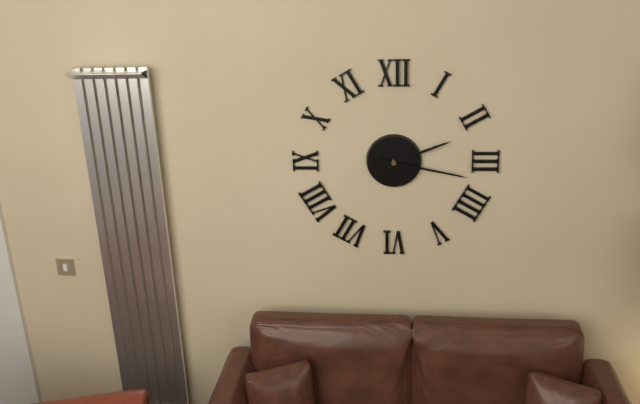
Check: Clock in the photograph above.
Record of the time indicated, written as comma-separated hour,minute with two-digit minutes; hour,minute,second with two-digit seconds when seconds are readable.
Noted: 2,17
